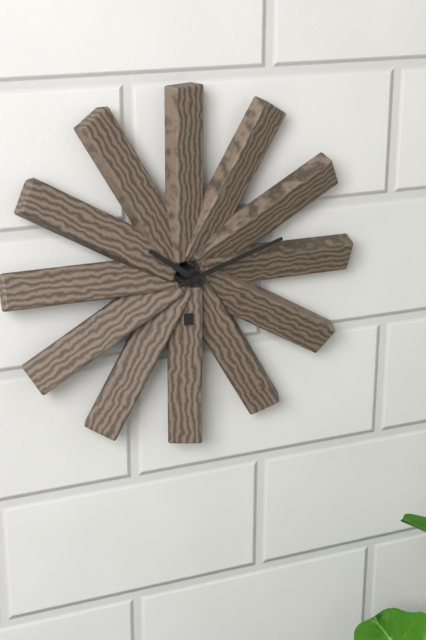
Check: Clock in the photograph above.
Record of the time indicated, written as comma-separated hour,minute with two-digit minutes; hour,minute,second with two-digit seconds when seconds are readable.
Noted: 10,12
